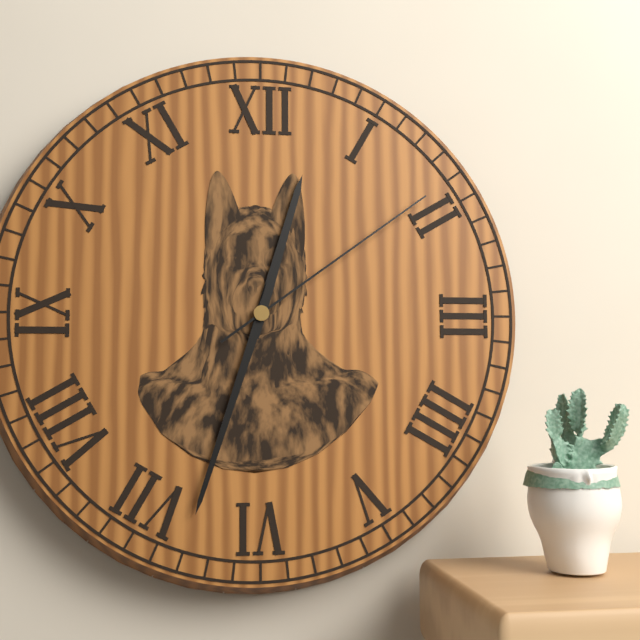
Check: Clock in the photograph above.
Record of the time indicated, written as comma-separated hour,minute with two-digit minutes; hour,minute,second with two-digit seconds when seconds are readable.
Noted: 12,33,09
